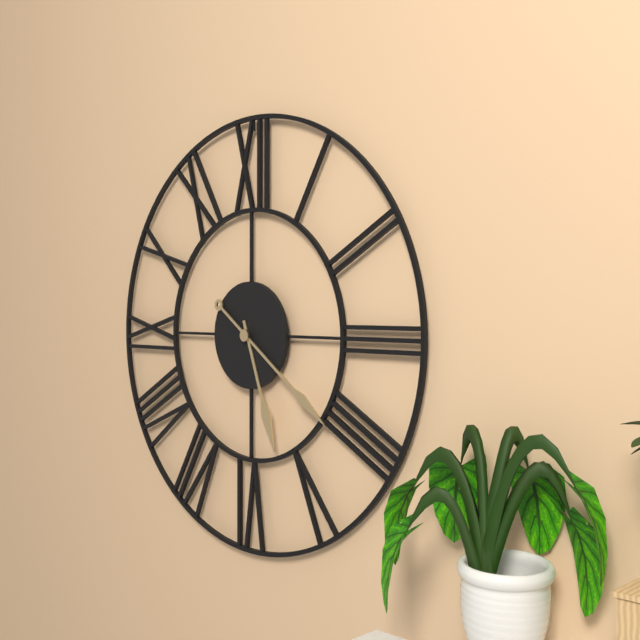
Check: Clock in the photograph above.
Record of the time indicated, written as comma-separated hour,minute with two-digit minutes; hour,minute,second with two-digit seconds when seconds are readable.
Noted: 5,21
